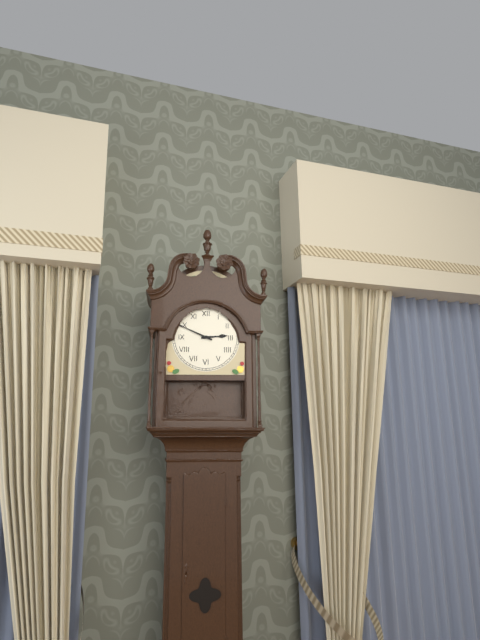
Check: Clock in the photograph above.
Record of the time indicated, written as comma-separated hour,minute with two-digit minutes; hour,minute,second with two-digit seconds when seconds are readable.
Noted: 2,49
